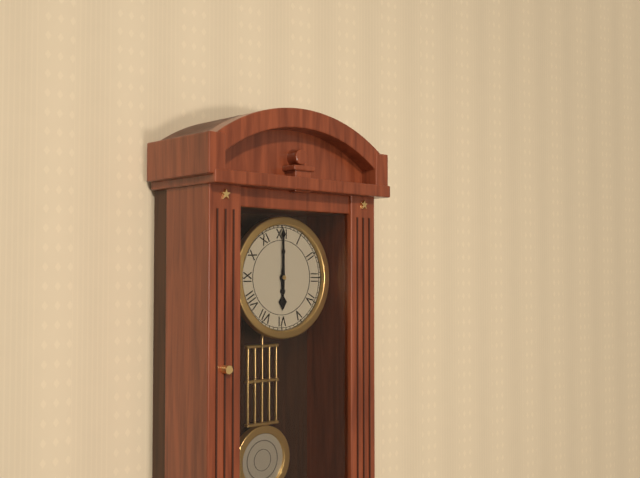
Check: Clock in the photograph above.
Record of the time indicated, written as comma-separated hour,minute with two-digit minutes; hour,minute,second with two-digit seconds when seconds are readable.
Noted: 6,00
